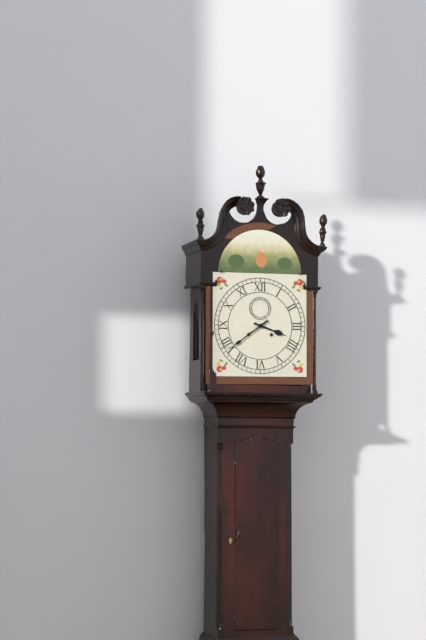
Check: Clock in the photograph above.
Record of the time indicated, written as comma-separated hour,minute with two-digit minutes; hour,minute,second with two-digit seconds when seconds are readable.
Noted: 3,39
